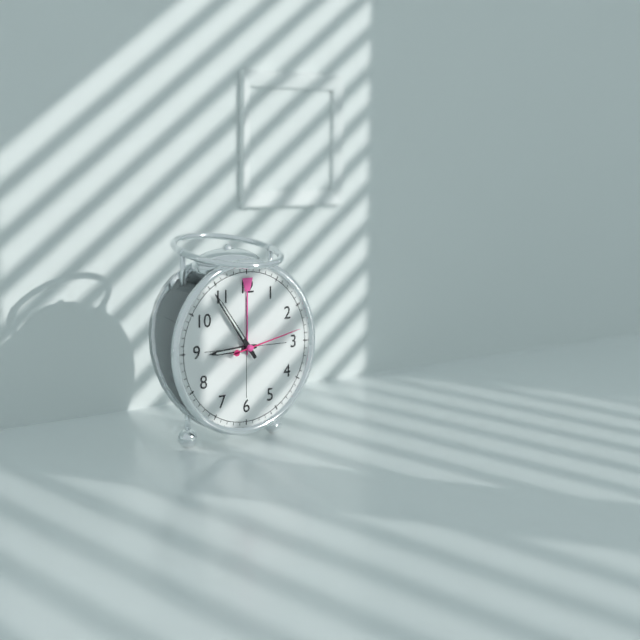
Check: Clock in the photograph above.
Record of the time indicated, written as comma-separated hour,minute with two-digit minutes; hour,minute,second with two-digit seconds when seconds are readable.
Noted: 8,54,13
